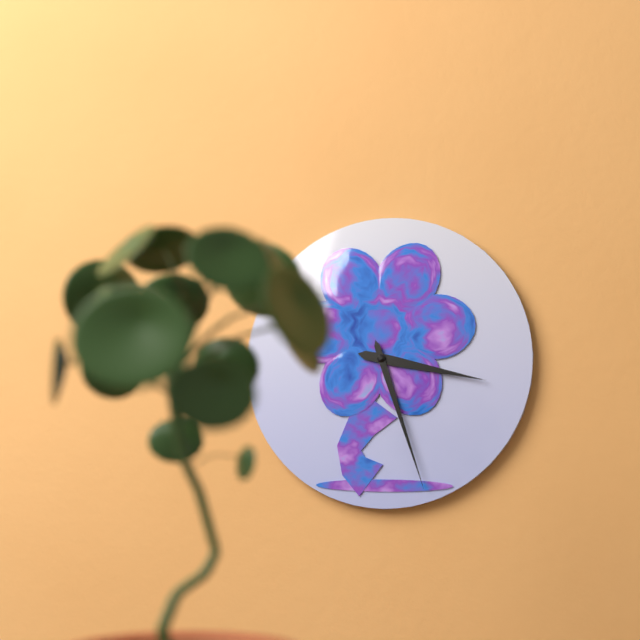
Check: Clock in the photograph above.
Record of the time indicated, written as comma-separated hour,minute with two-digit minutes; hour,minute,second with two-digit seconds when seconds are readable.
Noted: 3,27
